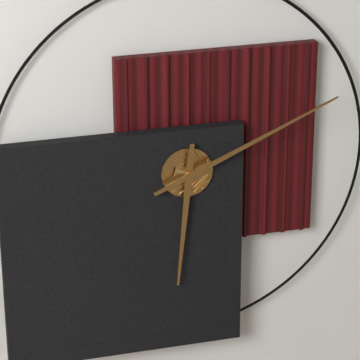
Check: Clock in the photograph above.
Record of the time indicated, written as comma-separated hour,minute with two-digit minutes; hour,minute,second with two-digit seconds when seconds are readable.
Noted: 6,11
